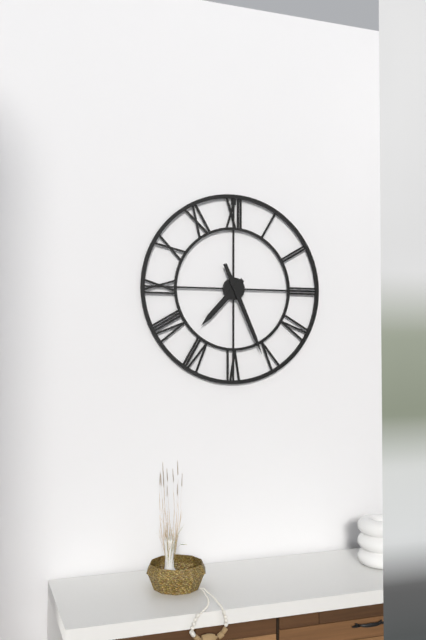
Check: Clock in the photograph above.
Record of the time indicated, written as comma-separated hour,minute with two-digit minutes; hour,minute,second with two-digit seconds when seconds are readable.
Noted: 7,26
